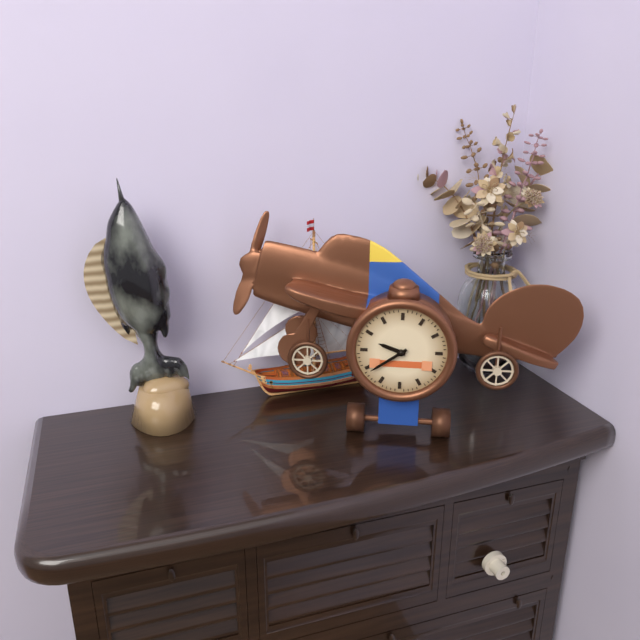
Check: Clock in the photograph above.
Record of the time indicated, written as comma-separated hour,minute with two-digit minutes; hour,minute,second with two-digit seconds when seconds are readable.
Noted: 9,39
